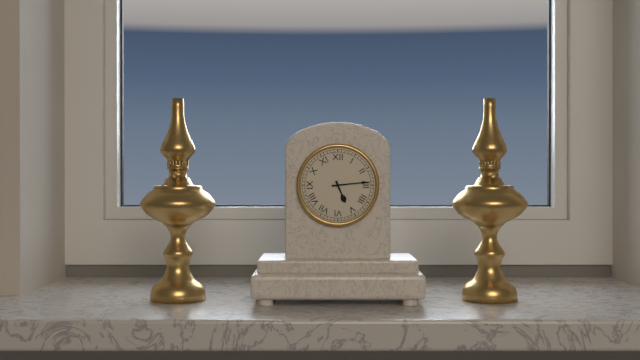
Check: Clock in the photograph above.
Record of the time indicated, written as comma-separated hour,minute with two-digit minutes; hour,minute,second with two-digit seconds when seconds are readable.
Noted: 5,14
